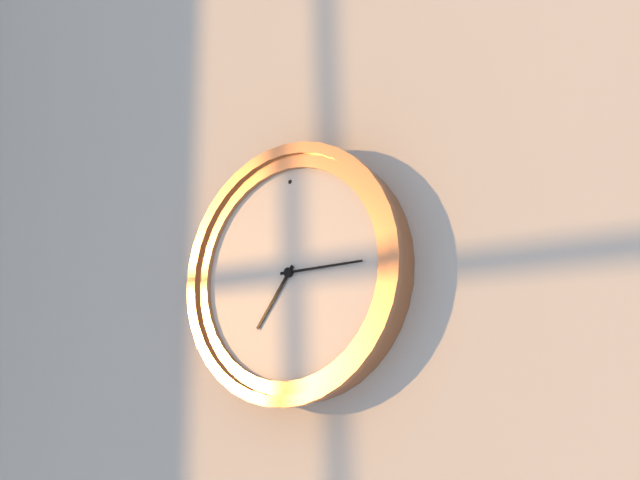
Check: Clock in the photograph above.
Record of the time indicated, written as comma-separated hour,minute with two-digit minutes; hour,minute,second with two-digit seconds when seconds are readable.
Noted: 7,15
